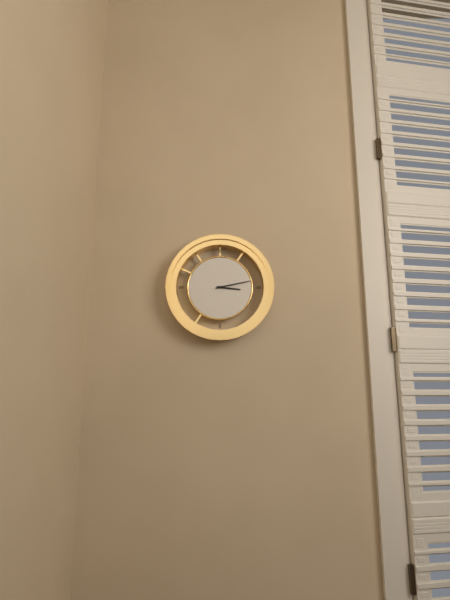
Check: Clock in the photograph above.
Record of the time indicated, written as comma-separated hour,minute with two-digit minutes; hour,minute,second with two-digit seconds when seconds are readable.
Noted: 3,13
